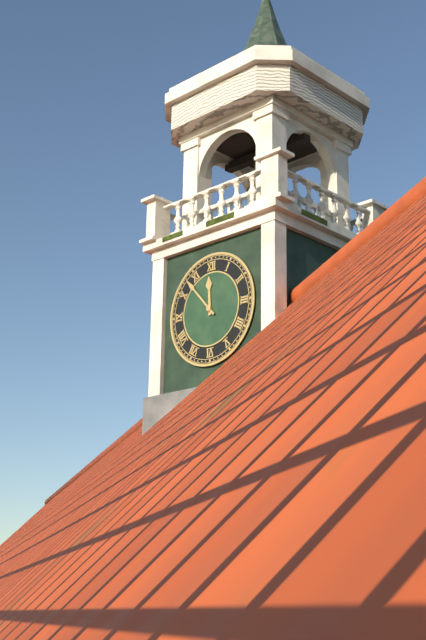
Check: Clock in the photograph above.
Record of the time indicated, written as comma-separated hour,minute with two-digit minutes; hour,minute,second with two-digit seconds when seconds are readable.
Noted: 11,53
